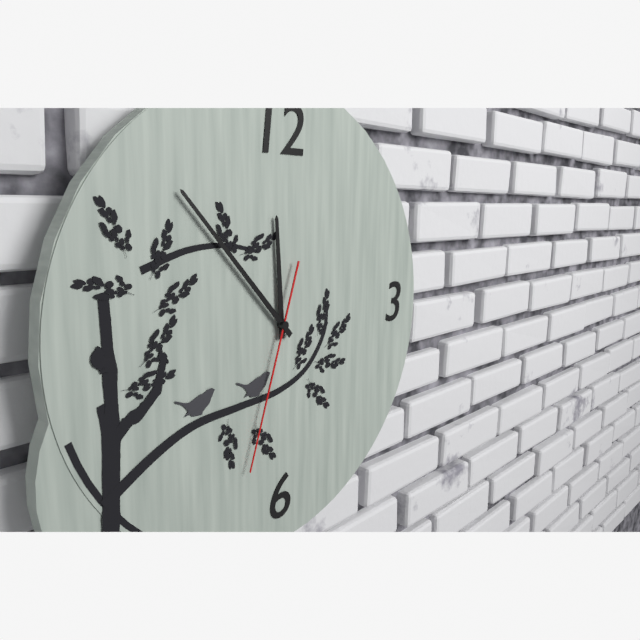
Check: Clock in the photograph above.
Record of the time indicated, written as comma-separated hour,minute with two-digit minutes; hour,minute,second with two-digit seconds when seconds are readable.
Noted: 11,53,33
